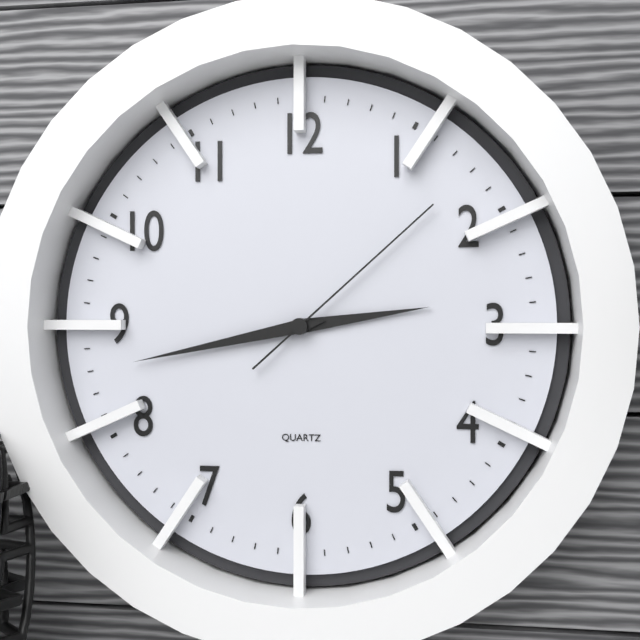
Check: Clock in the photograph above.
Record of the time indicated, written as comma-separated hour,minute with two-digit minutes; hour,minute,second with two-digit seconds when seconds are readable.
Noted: 2,43,08
